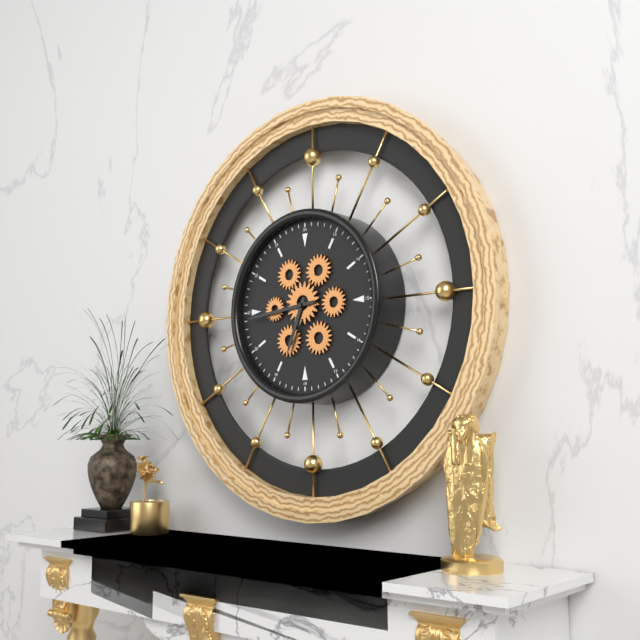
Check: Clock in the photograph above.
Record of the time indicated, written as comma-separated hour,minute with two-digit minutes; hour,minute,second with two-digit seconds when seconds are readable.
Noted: 6,44
